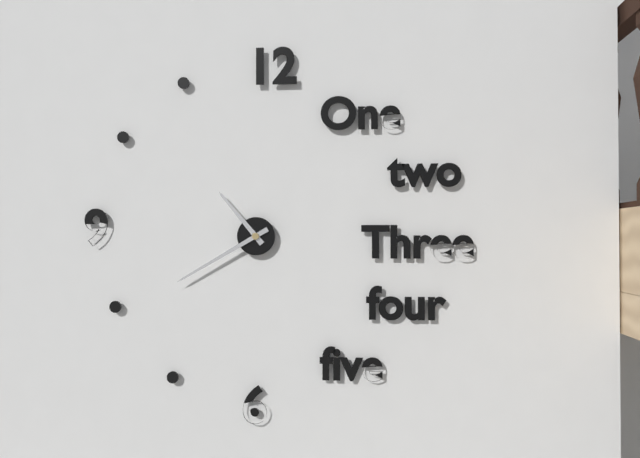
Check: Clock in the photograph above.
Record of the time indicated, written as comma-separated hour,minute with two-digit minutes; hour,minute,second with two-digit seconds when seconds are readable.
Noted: 10,40
